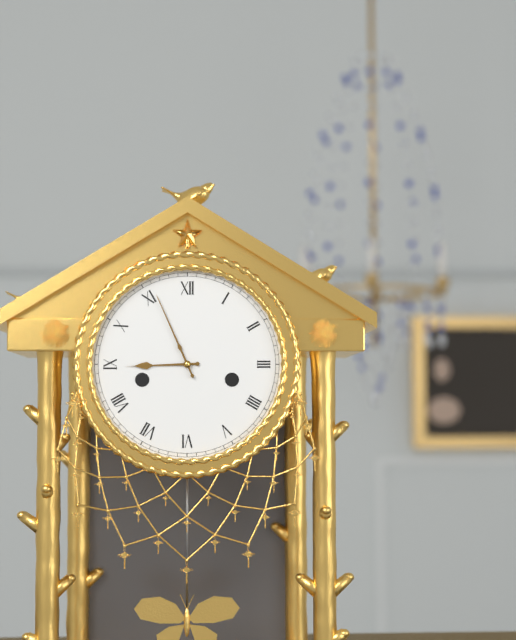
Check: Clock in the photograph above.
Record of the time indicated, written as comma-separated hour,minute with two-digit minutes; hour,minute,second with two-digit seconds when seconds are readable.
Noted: 8,56
